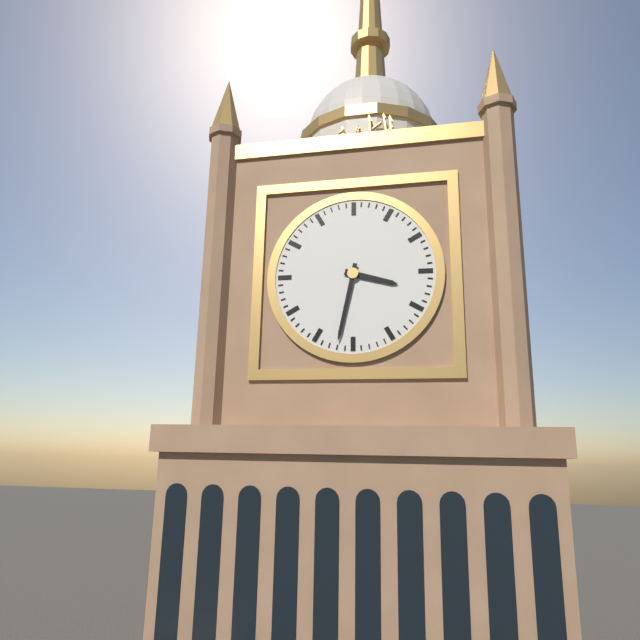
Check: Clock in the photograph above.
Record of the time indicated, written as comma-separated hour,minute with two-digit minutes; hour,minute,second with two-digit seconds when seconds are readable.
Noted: 3,32
